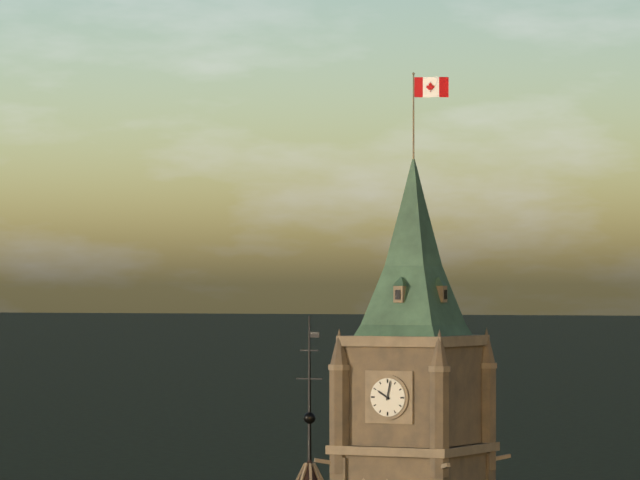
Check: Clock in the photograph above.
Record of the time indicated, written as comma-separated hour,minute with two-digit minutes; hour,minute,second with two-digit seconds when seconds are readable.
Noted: 10,02
